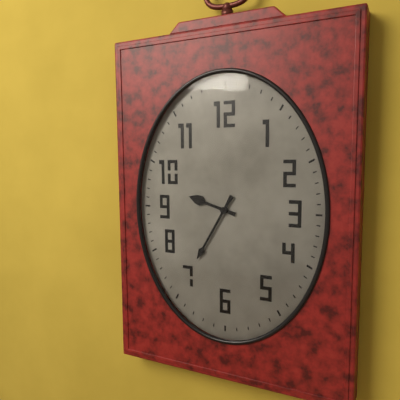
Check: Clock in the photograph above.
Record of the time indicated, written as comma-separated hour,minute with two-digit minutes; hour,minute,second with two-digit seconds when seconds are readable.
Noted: 9,35
